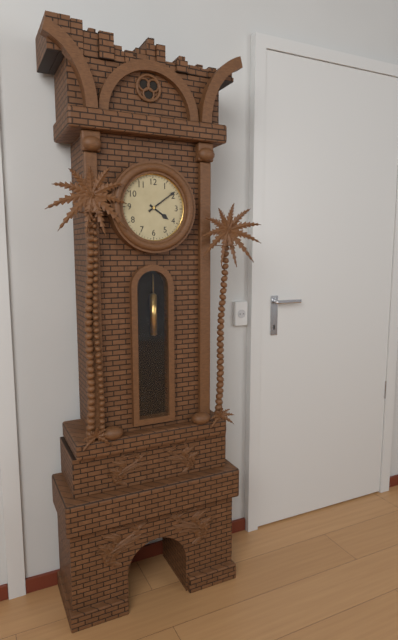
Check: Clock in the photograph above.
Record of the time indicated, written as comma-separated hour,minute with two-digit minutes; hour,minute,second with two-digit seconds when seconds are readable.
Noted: 4,09
